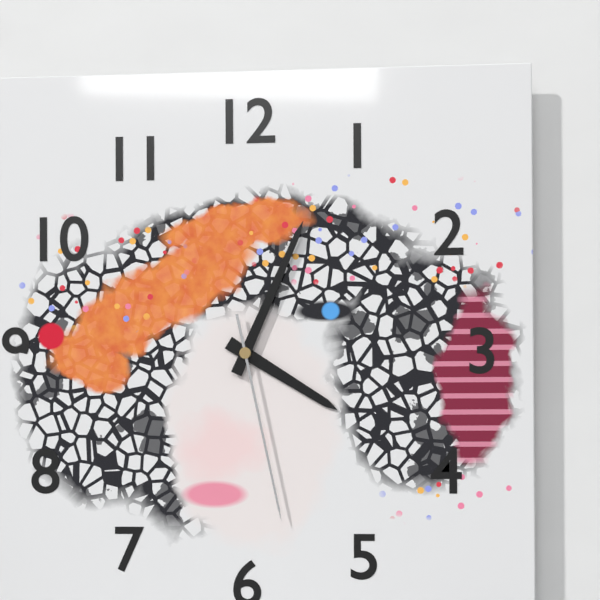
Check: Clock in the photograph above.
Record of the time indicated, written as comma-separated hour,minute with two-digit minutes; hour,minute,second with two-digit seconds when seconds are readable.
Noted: 4,04,28
